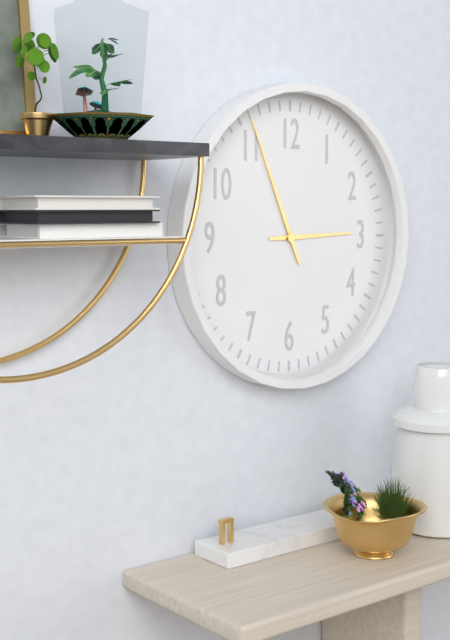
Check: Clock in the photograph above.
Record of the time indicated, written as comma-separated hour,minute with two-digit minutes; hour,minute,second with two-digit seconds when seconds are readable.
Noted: 2,56
